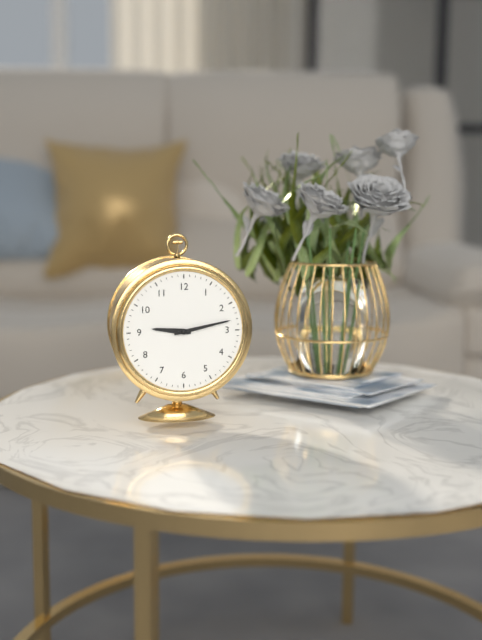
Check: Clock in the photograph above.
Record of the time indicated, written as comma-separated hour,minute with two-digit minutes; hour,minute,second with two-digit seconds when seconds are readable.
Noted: 9,13
